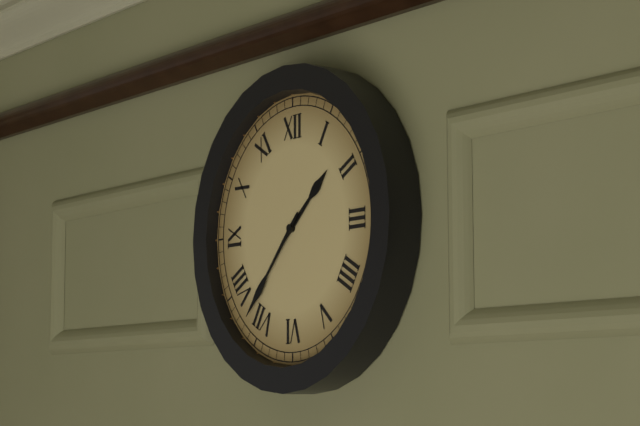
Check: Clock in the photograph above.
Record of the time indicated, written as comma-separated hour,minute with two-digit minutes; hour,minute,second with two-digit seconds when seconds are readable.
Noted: 1,37
